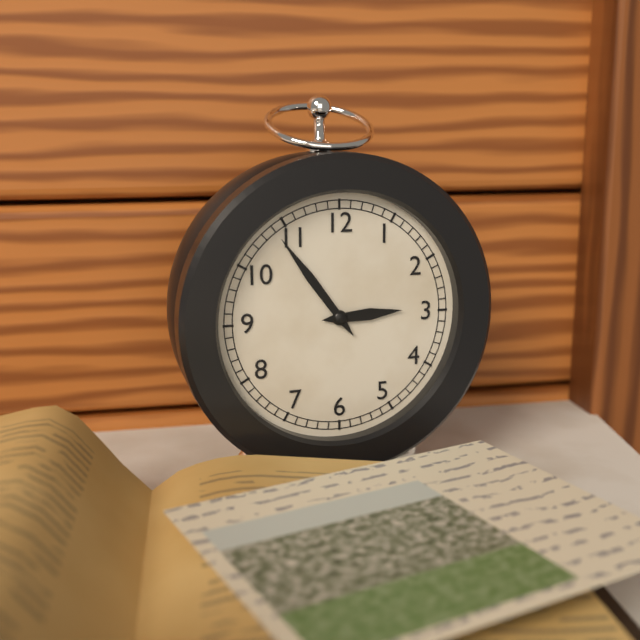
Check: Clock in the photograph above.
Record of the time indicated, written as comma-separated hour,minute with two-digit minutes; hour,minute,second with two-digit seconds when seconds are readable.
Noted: 2,54
